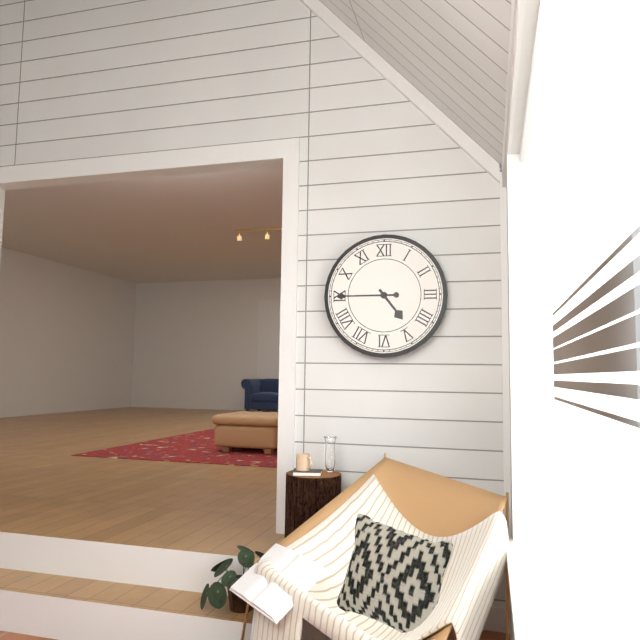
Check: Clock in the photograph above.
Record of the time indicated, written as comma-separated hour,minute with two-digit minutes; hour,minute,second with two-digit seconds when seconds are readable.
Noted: 4,45
